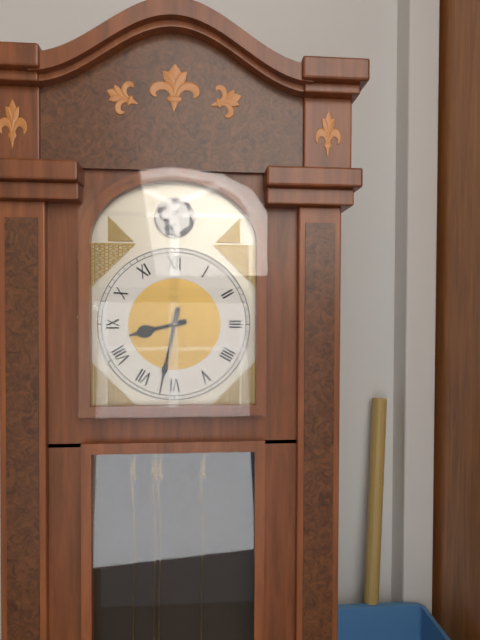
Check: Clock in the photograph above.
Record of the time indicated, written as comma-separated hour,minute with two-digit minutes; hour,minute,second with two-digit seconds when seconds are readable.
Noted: 8,32
